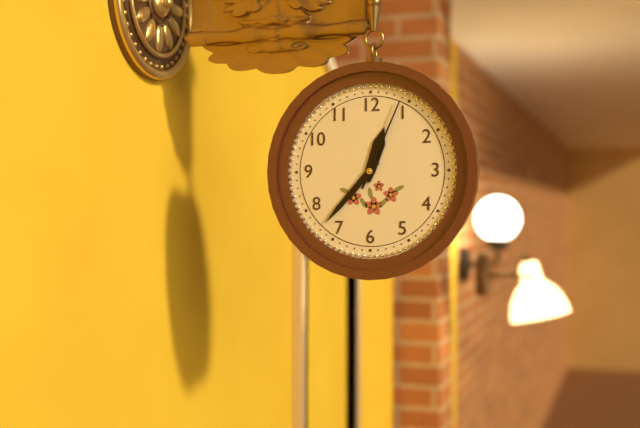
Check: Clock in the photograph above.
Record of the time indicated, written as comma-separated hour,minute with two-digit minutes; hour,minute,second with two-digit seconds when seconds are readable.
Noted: 12,37,04
